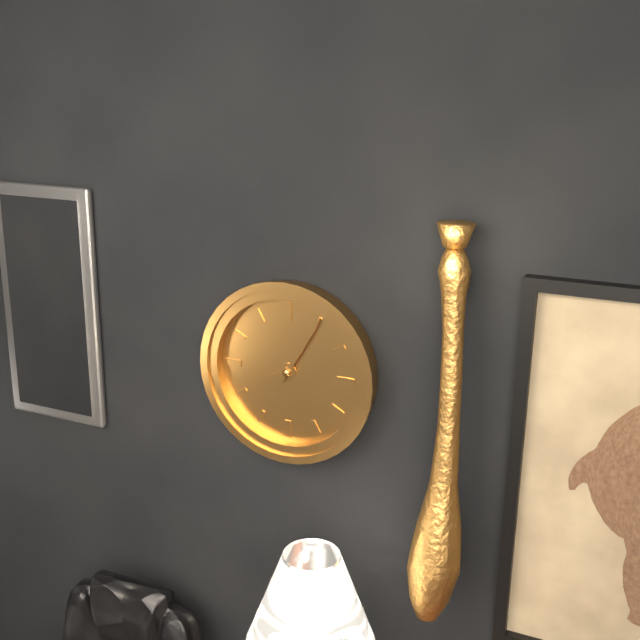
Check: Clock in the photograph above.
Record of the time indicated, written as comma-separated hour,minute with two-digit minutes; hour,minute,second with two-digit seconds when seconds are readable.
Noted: 8,05
